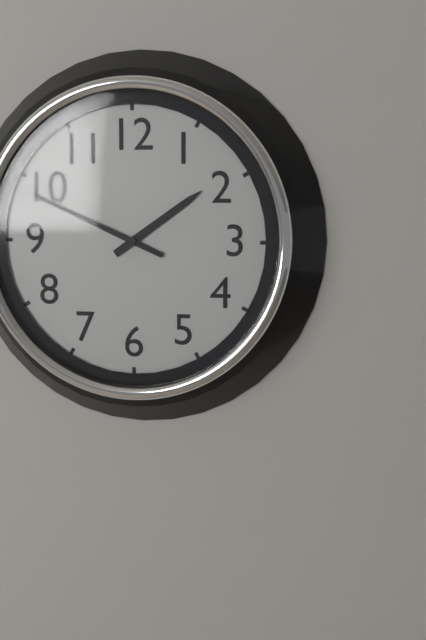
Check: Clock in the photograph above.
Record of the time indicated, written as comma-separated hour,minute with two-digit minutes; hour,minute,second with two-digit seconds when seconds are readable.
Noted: 1,49
